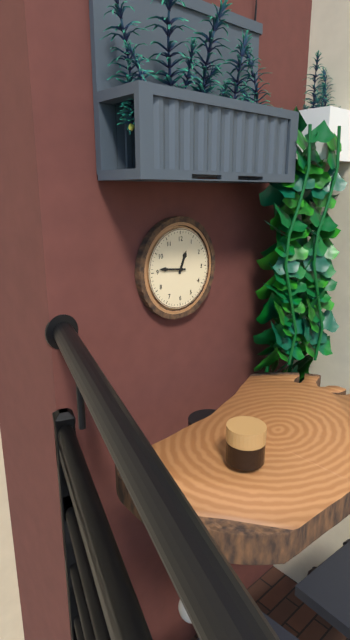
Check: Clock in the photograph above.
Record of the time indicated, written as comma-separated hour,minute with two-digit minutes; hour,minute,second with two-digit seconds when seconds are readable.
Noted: 12,46
